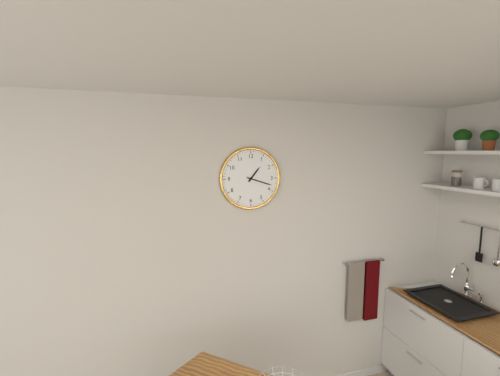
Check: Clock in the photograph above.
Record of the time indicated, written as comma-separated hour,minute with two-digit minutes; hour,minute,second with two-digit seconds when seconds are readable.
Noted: 1,18
